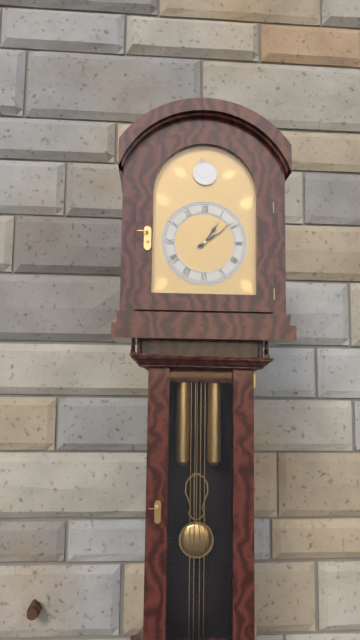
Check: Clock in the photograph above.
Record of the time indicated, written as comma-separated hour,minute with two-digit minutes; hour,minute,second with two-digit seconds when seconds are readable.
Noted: 1,09
